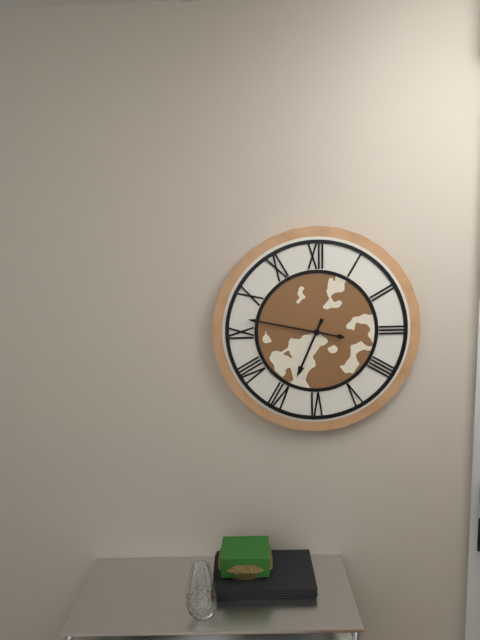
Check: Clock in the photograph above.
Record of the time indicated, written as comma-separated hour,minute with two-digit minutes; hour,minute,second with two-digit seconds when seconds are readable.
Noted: 6,47
